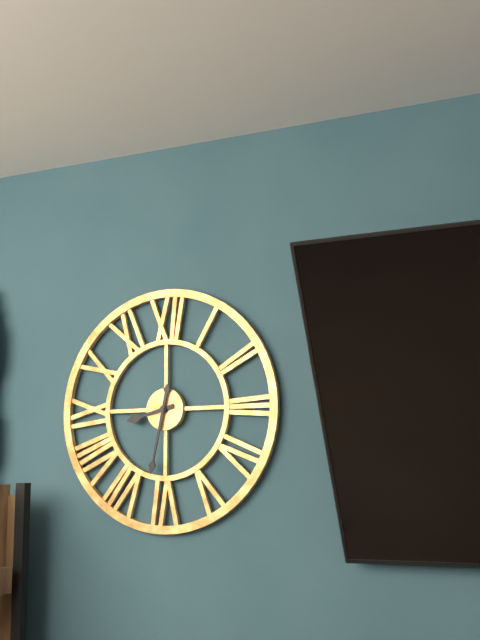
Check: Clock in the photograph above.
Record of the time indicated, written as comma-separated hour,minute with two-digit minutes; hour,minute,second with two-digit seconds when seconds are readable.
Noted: 8,32
